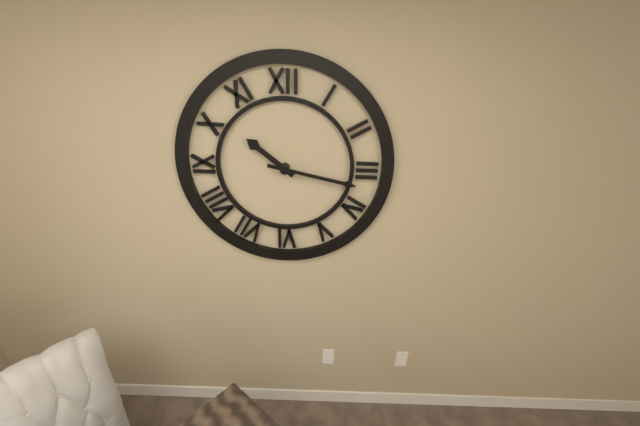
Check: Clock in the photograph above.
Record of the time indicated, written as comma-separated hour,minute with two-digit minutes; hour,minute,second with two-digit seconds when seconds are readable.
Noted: 10,17
